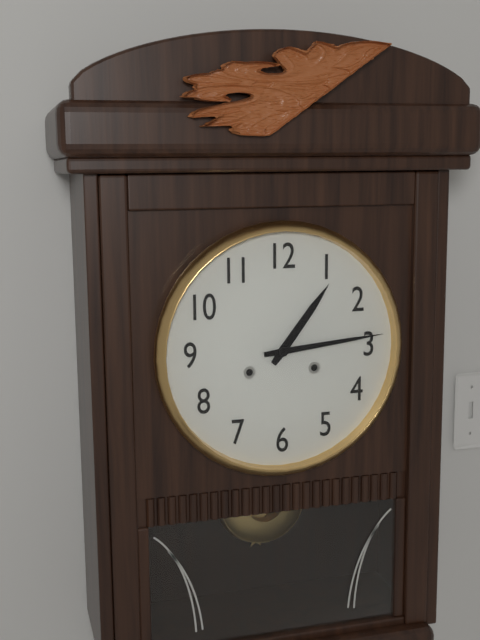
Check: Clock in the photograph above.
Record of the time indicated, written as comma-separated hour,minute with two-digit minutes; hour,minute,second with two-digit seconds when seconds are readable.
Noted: 1,14
